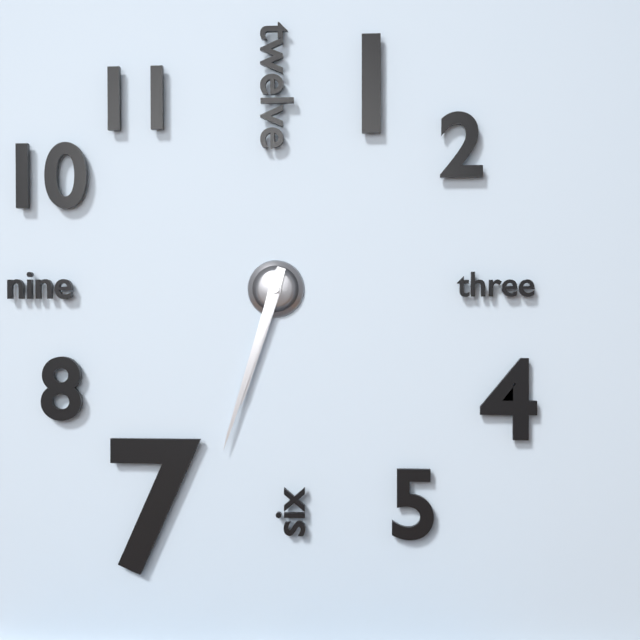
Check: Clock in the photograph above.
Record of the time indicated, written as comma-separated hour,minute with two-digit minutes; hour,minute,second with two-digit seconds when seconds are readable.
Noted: 6,33
